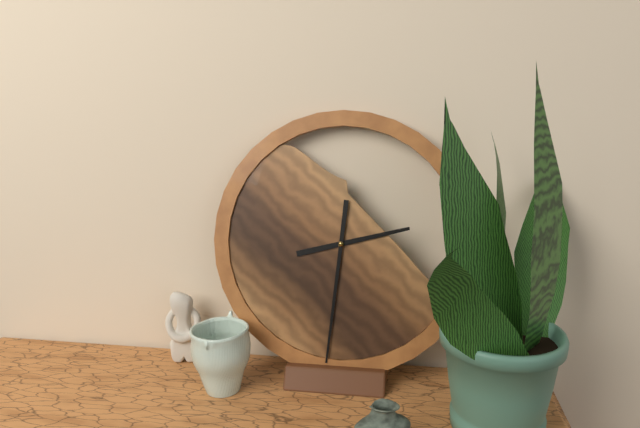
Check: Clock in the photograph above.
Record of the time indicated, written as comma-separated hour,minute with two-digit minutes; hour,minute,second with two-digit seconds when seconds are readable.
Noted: 2,31
